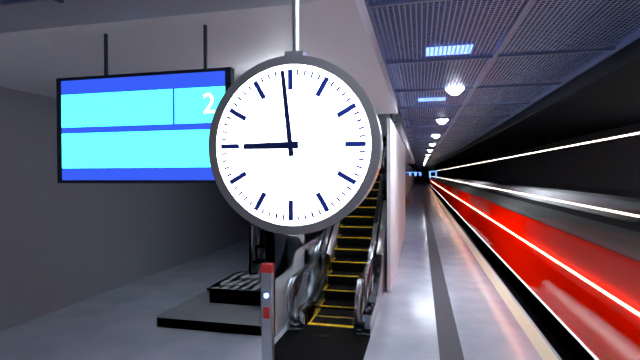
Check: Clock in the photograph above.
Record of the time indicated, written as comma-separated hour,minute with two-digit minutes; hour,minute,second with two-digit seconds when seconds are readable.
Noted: 8,59
